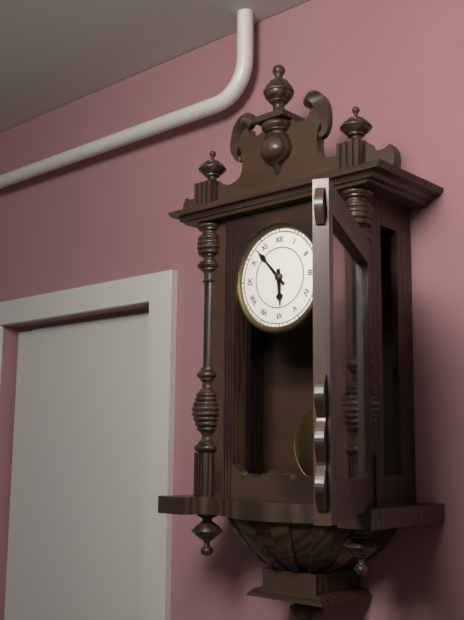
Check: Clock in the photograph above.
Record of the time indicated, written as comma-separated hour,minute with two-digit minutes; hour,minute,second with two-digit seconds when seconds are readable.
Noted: 5,53
